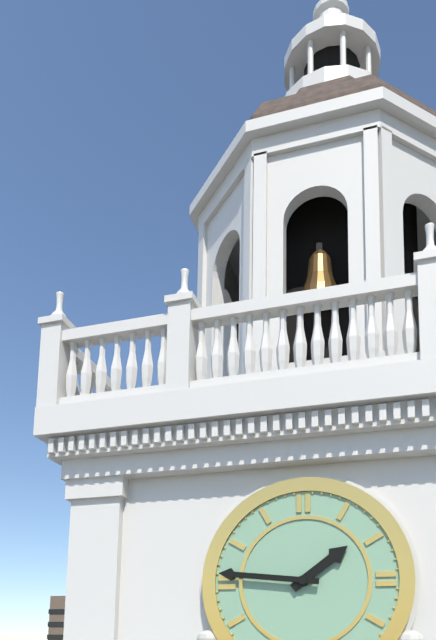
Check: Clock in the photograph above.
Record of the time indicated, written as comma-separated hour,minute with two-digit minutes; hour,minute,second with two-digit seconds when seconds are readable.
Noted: 1,46
